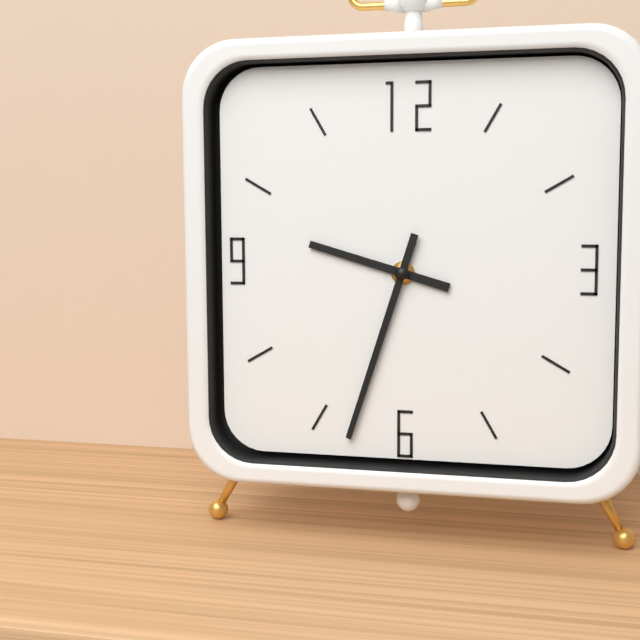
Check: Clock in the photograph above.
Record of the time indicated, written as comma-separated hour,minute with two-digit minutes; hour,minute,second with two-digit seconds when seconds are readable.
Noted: 9,33
